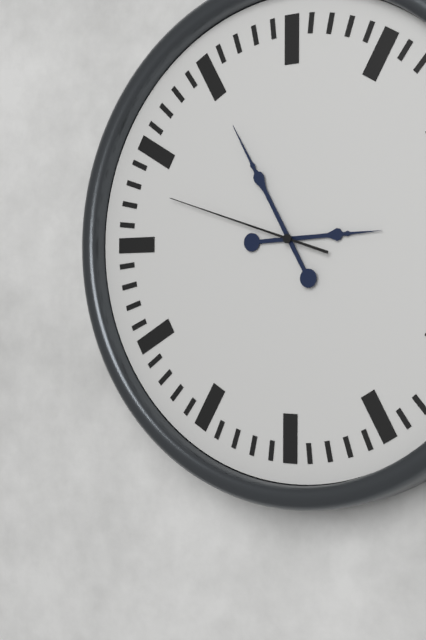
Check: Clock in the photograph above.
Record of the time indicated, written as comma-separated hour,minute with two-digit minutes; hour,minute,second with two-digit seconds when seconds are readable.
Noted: 2,55,48
